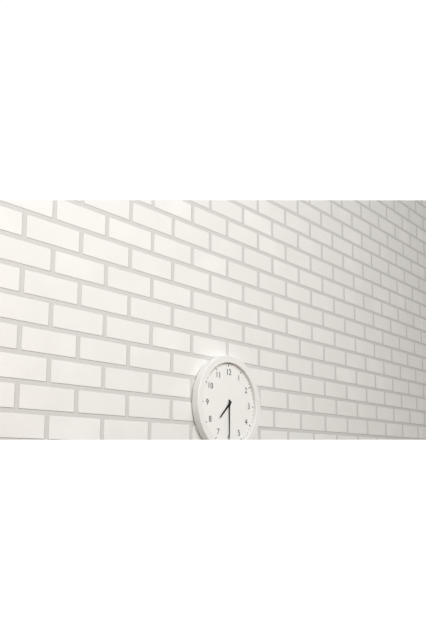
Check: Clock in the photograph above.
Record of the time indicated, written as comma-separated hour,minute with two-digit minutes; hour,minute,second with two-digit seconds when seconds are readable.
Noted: 7,30
